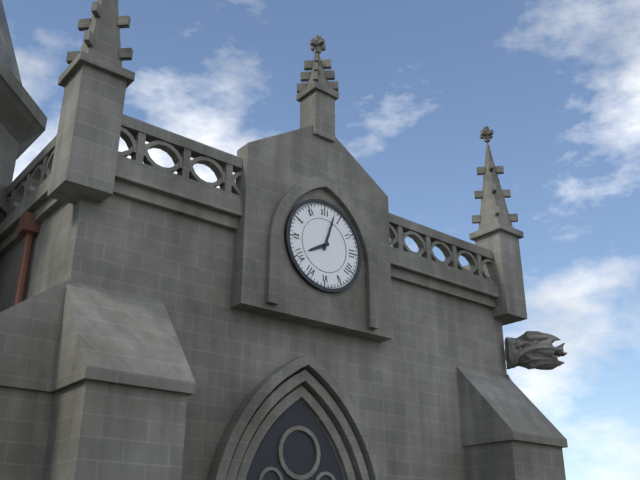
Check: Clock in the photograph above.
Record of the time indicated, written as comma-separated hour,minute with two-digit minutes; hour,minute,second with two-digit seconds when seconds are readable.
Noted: 8,03
